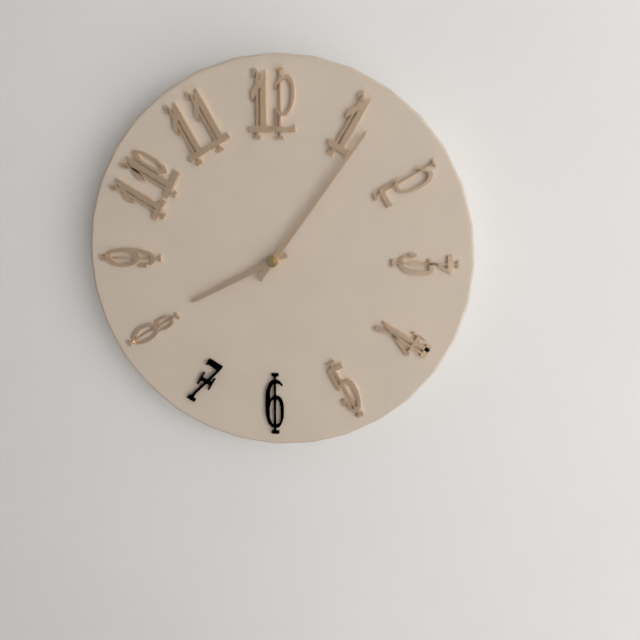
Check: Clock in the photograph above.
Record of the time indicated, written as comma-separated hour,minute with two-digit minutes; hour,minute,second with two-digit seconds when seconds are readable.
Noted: 8,06
